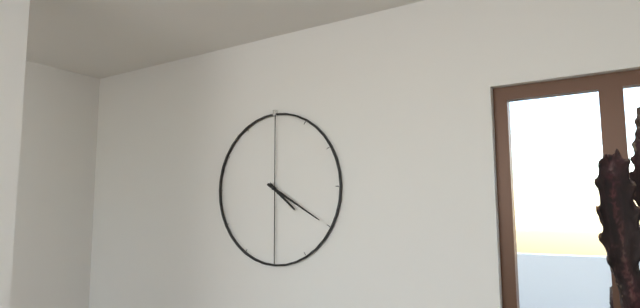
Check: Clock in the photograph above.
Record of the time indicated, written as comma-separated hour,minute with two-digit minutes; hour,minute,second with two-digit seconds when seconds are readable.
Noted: 4,20
